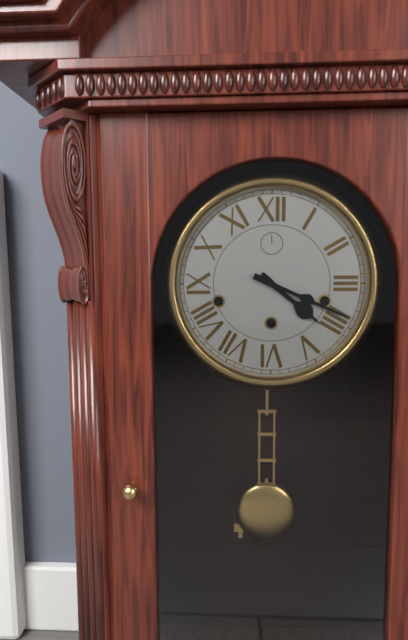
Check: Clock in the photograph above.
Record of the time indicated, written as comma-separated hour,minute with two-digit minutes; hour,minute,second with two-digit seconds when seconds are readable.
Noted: 4,19
